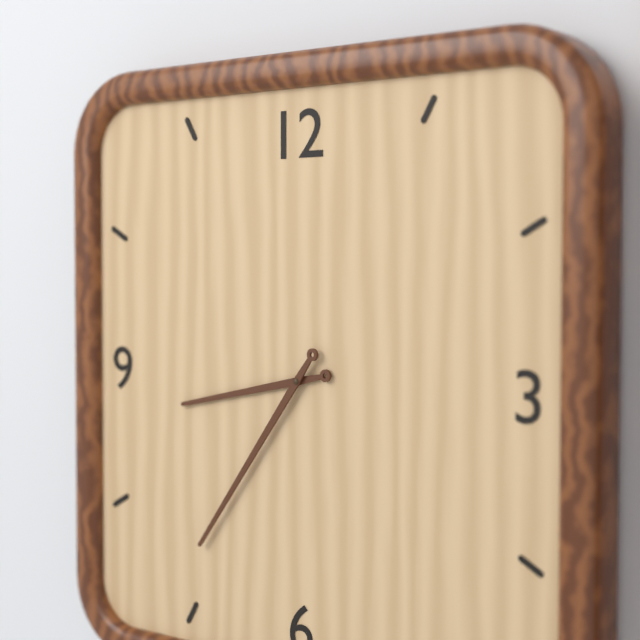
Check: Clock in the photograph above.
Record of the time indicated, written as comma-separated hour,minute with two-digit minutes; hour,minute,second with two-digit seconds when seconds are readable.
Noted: 8,36
